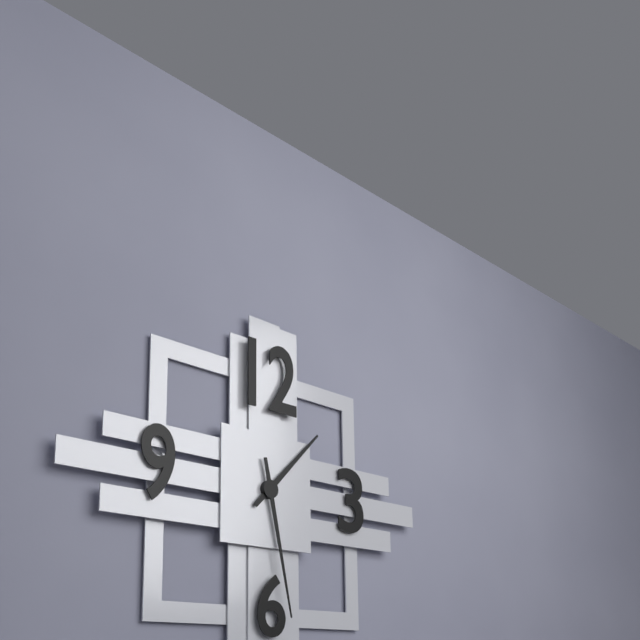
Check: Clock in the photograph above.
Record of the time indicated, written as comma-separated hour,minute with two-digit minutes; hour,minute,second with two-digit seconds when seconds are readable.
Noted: 1,28
